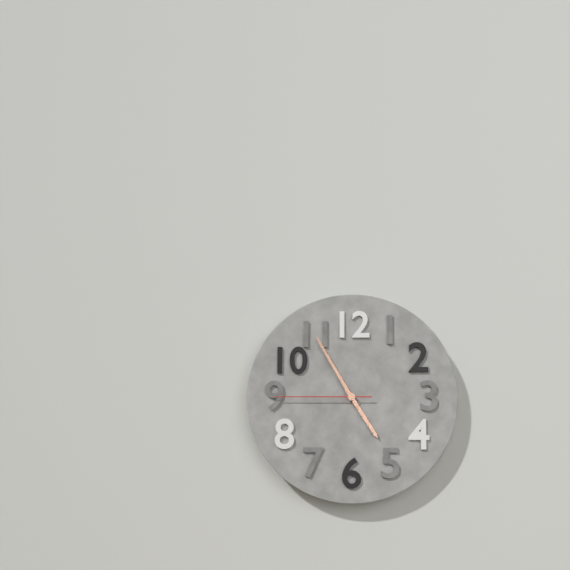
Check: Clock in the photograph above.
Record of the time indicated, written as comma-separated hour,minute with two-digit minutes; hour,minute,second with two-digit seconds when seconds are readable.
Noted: 4,55,45
